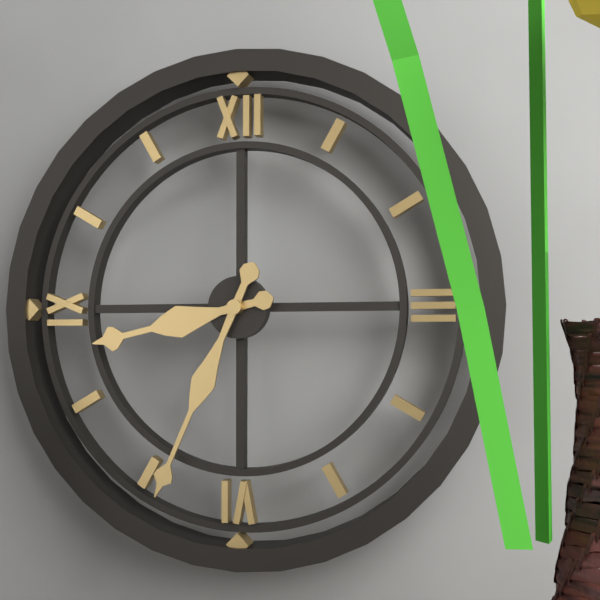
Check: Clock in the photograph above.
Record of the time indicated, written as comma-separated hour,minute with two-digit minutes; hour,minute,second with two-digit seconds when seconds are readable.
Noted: 8,34
